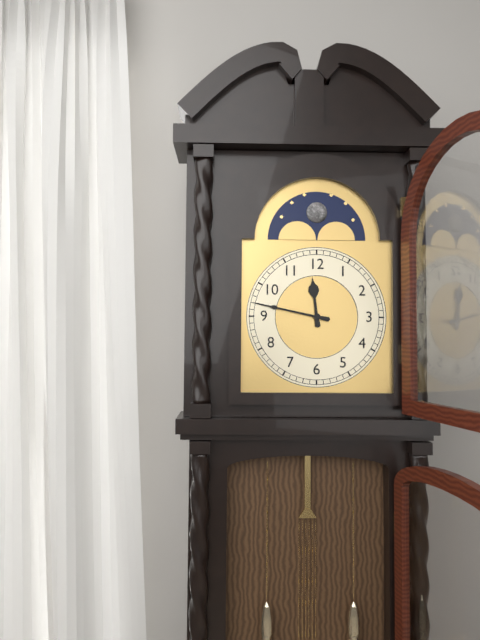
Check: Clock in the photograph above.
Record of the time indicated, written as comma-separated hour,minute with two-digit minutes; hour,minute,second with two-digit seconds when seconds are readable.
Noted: 11,47
